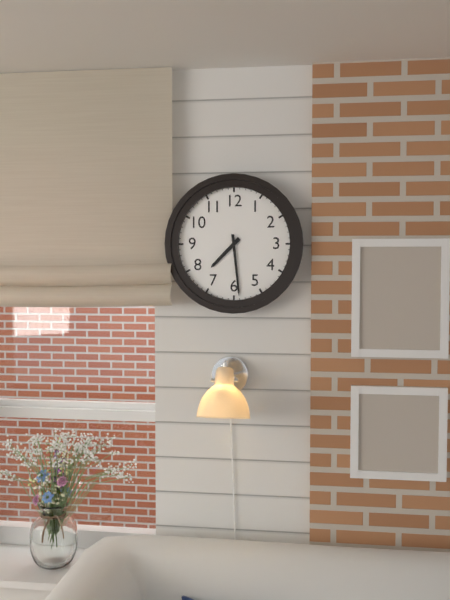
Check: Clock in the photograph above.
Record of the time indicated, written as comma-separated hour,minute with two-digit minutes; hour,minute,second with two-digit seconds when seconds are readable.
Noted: 7,29
